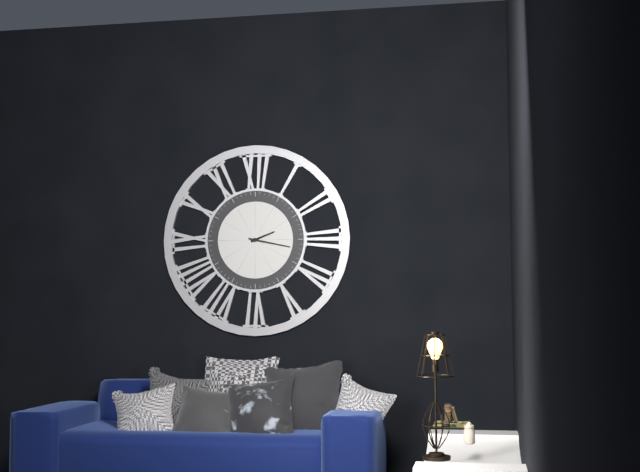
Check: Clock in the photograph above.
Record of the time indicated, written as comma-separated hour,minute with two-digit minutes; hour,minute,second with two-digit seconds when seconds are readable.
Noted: 2,17
